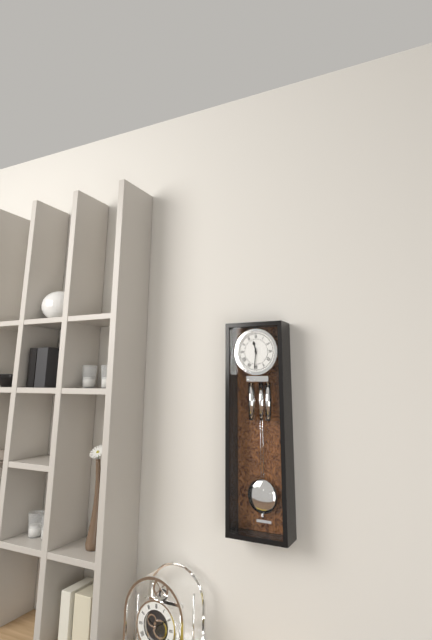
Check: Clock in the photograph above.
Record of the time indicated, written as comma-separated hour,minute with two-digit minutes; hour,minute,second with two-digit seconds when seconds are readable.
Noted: 11,31
